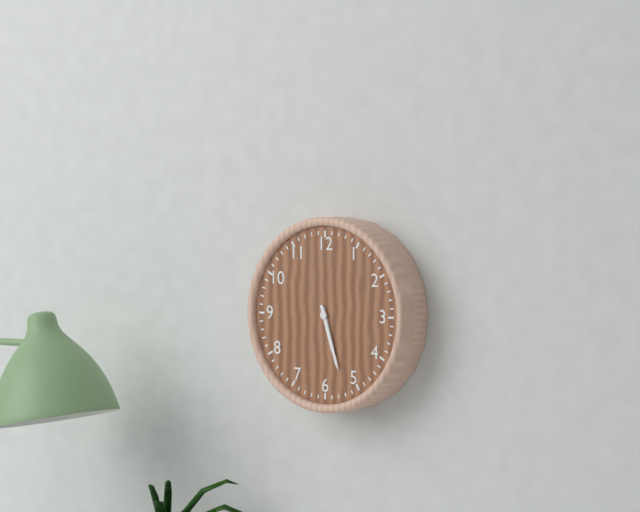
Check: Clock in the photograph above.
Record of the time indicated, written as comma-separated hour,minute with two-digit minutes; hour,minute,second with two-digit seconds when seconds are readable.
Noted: 5,27
